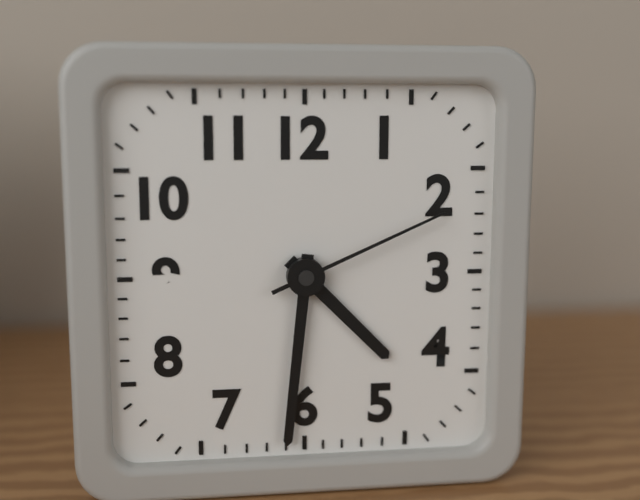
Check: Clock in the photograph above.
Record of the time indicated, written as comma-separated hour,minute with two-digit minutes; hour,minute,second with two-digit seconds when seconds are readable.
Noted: 4,31,11
